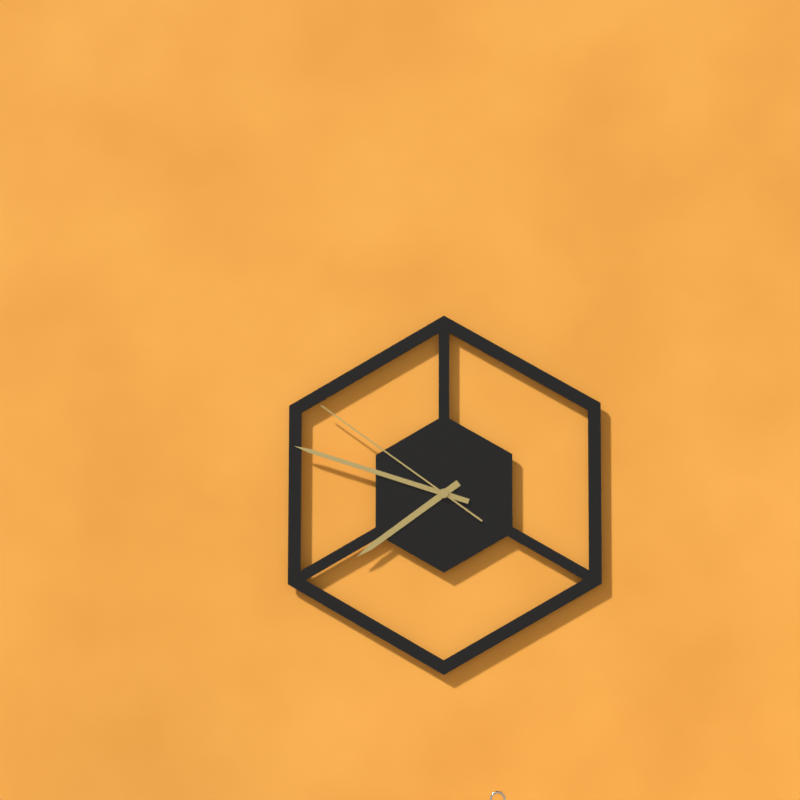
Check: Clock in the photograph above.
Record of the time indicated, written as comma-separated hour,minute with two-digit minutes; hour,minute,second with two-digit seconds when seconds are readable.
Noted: 7,48,51
